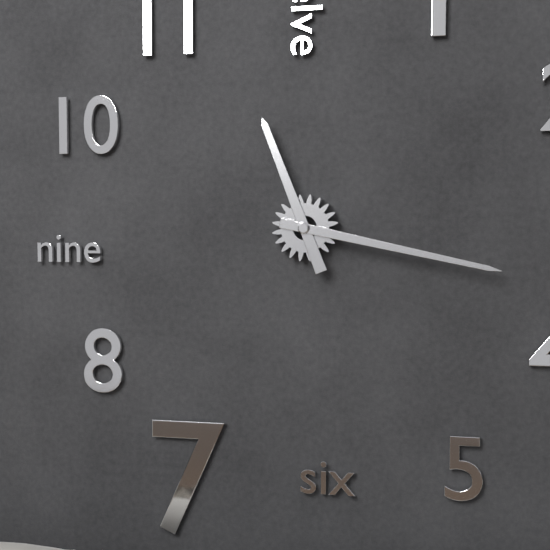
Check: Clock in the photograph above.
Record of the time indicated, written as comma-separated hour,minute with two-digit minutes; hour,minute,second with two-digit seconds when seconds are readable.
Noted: 11,17
